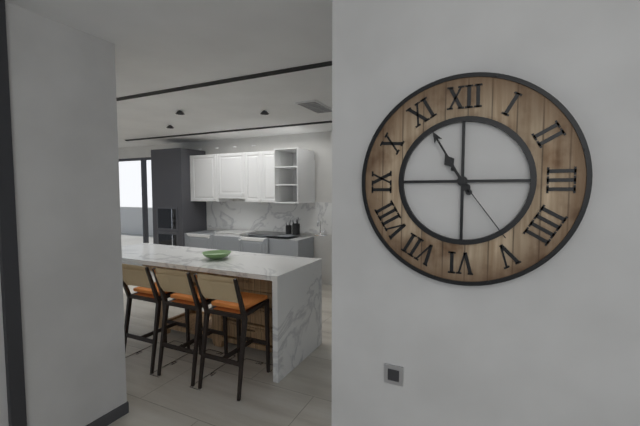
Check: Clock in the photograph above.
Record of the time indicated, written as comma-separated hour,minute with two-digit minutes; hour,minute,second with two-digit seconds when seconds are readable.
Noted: 10,55,24
